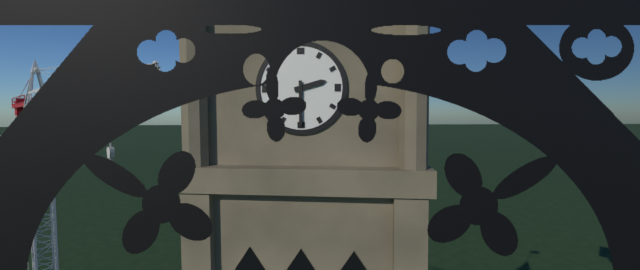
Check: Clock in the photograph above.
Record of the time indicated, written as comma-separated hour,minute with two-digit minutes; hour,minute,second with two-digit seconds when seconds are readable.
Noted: 2,30
